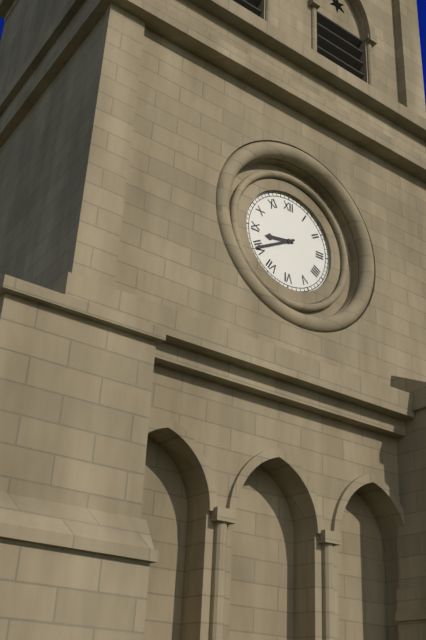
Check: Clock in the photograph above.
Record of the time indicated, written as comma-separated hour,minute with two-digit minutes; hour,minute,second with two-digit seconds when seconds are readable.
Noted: 8,40
